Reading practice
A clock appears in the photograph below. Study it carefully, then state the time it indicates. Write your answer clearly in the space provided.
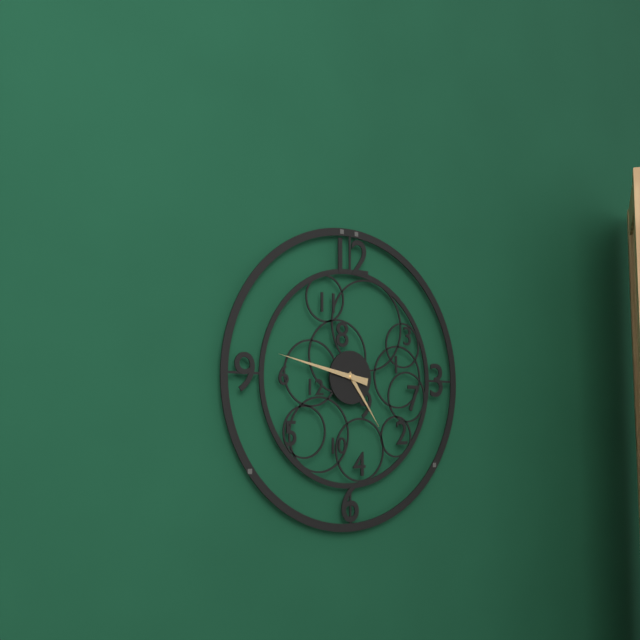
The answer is 4:47
